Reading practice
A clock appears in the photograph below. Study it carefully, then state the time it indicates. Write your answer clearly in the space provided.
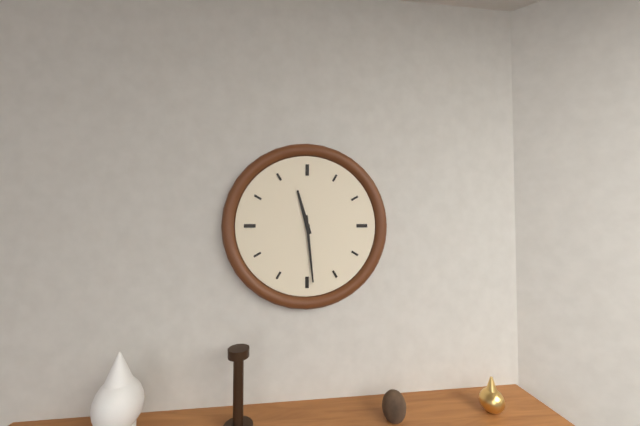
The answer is 11:29
